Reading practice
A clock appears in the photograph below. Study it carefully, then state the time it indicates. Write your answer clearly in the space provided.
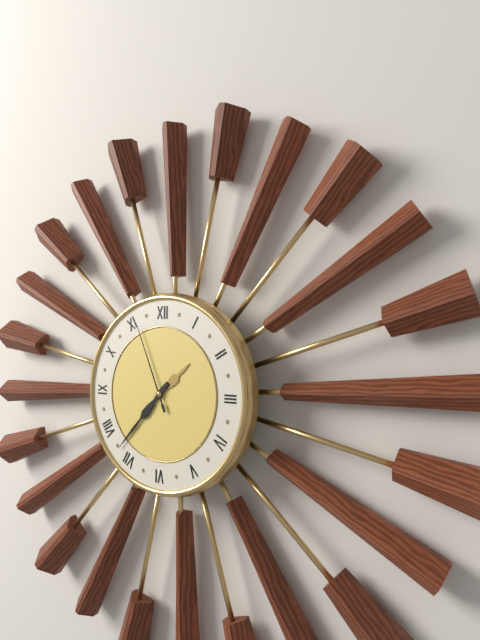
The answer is 1:37:56
